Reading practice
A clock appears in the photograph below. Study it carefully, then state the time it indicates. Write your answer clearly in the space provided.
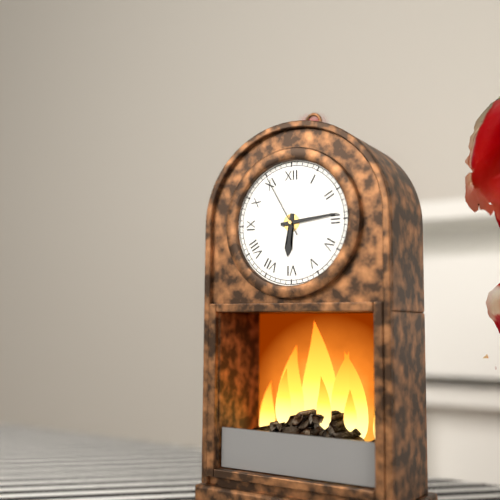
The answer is 6:14:55
